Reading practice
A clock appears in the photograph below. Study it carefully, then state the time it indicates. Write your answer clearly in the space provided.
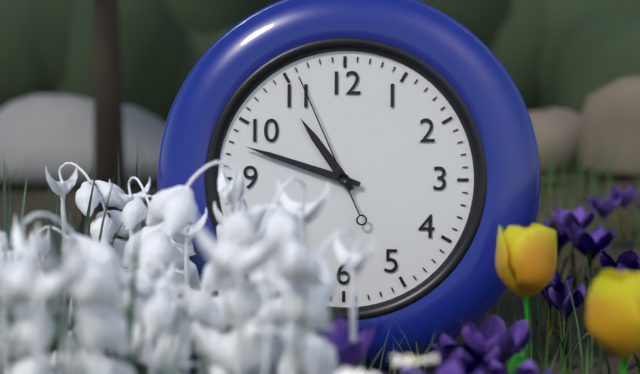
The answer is 10:48:56
